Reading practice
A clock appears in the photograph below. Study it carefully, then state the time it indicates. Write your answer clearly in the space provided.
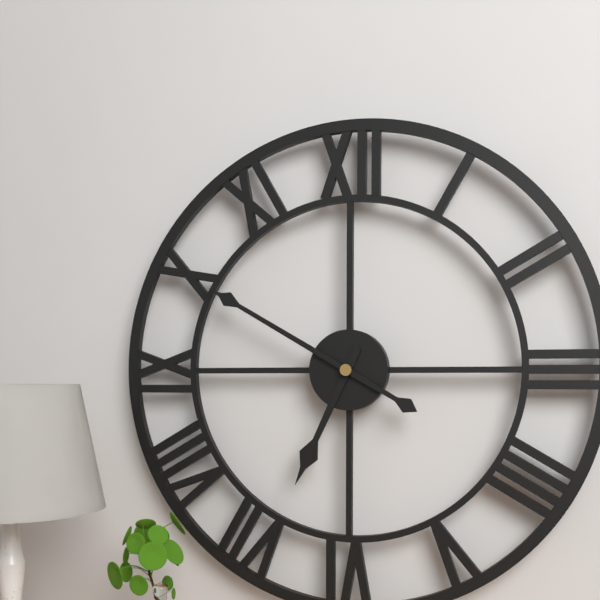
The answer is 6:50
